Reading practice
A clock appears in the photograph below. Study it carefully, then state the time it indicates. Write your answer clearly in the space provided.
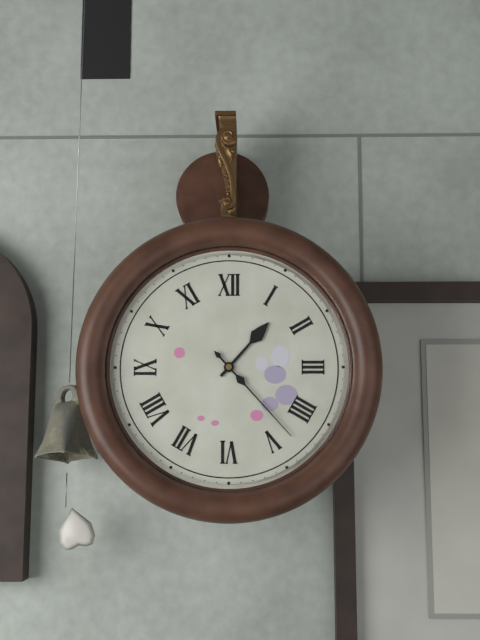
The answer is 1:23
